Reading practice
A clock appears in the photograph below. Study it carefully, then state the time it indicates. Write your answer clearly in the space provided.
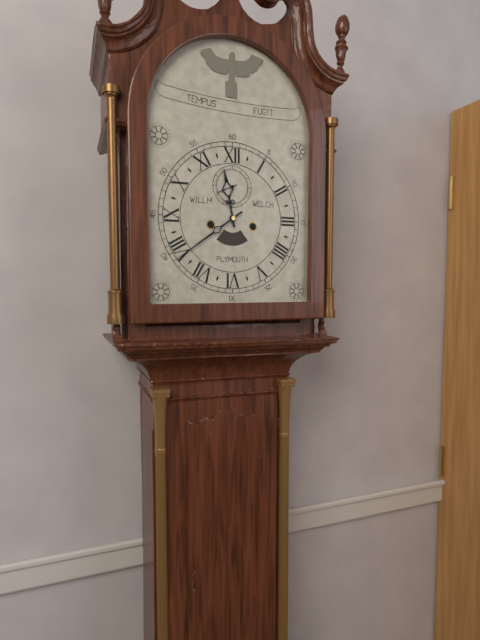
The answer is 11:39
